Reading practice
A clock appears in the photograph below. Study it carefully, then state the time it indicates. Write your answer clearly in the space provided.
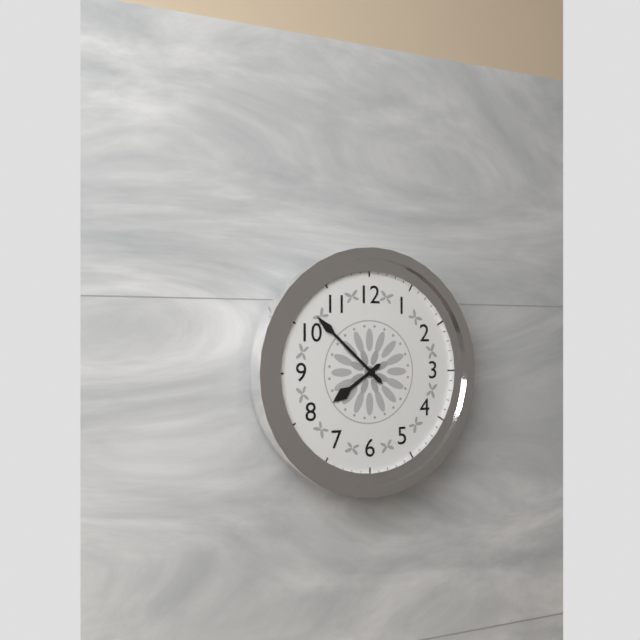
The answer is 7:52
